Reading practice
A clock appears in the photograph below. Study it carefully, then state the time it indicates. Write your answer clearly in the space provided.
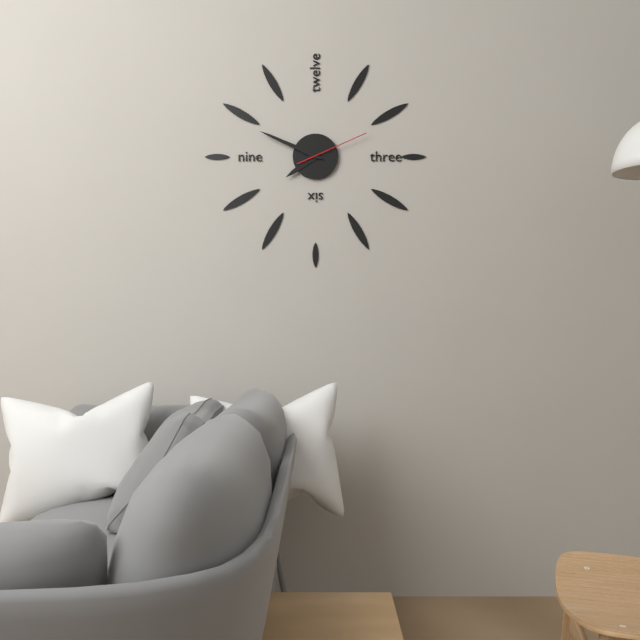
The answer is 7:49:11
